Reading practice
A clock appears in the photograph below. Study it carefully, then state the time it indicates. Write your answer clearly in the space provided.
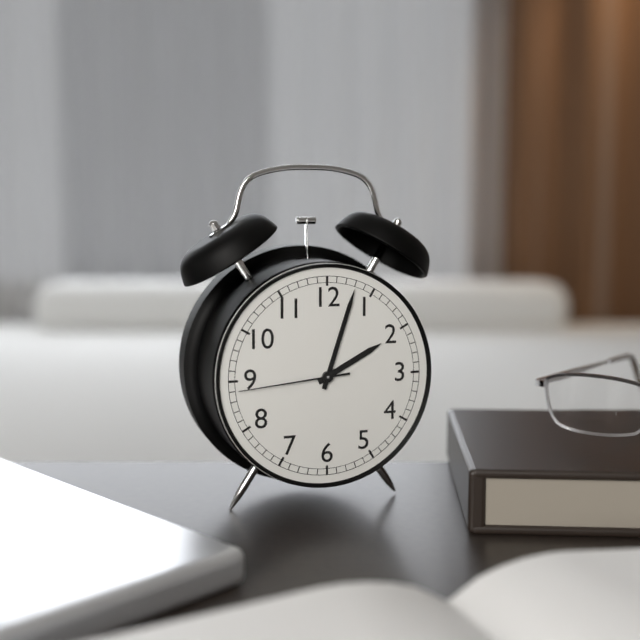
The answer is 2:03:44
